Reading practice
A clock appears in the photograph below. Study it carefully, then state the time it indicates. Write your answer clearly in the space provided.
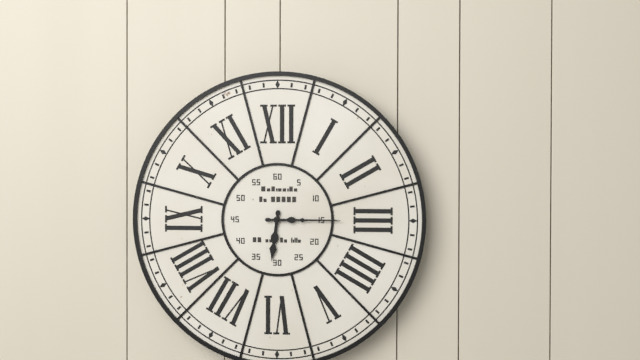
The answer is 6:15
